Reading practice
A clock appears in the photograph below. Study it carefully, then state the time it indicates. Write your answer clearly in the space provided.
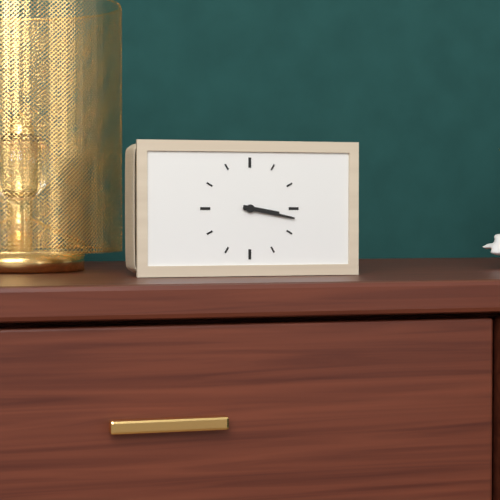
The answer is 3:17
